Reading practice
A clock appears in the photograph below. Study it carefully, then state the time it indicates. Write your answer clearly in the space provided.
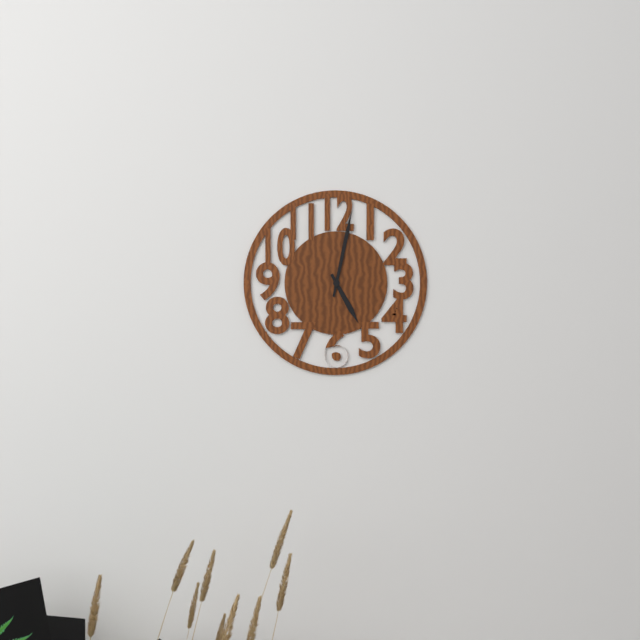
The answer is 5:02
